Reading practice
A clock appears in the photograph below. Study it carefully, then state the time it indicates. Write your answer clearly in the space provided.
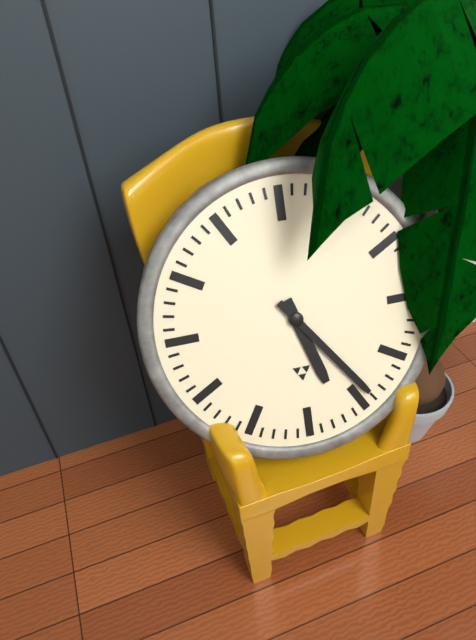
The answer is 5:24
